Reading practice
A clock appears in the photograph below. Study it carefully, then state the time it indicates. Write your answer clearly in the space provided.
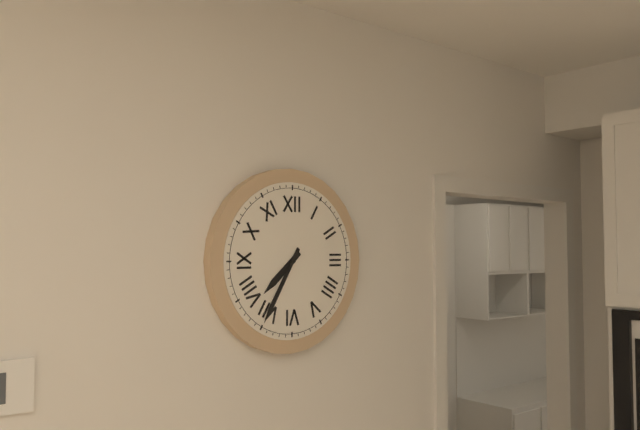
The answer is 7:35
